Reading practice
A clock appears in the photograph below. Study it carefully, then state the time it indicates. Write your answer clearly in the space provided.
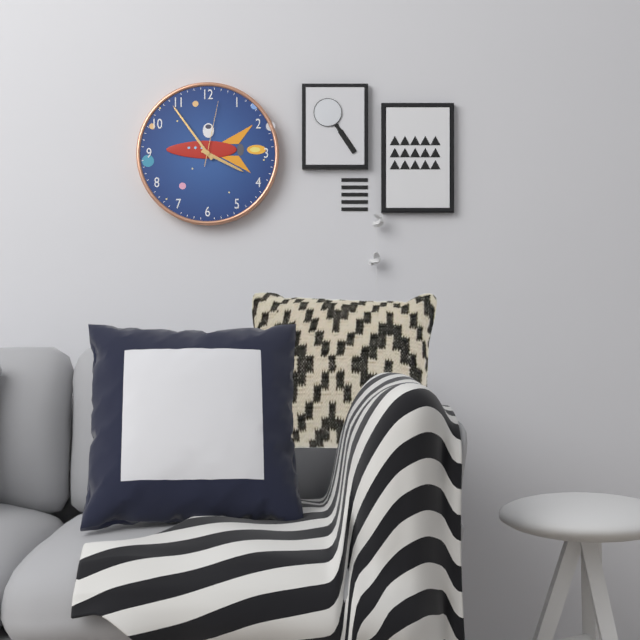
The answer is 3:54:02
